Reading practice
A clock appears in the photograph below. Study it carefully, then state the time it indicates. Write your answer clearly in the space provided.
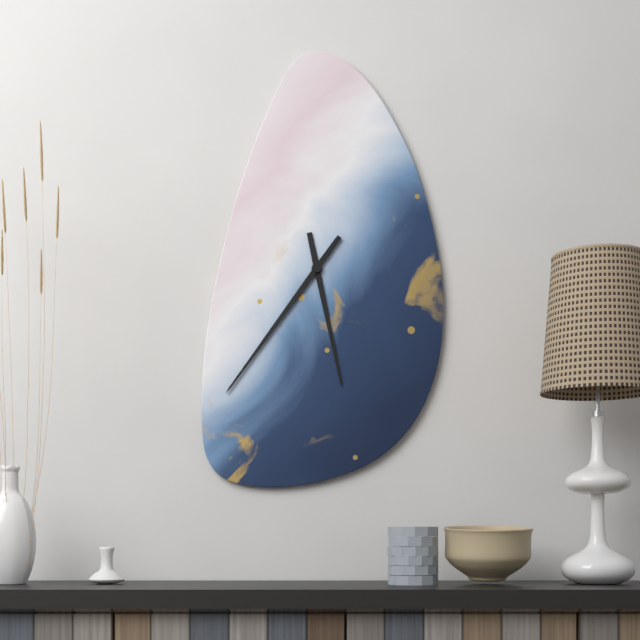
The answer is 5:36
